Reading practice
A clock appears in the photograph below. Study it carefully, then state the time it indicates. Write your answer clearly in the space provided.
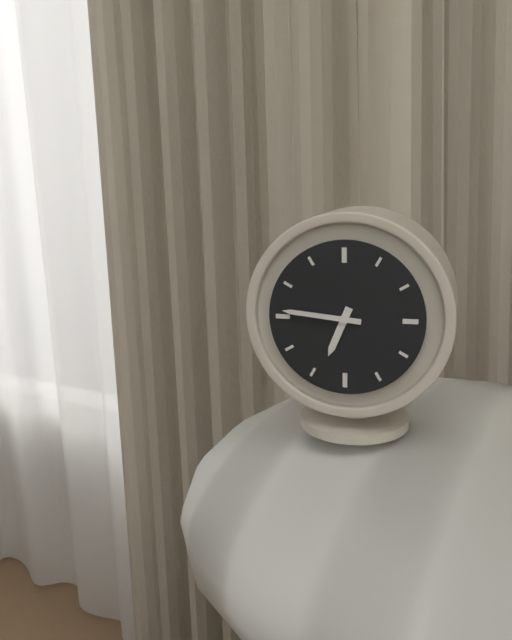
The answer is 6:46
